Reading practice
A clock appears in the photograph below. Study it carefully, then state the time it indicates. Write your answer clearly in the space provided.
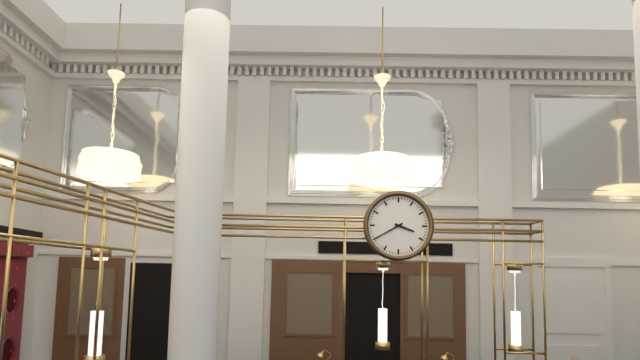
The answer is 3:40
